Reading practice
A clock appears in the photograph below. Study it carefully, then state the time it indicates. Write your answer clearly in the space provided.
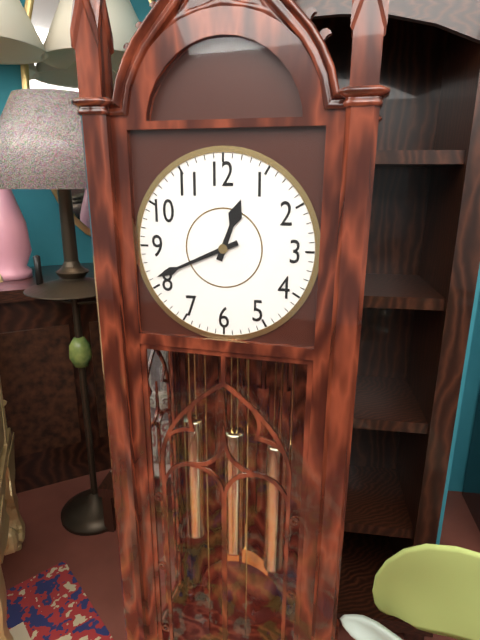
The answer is 12:41
